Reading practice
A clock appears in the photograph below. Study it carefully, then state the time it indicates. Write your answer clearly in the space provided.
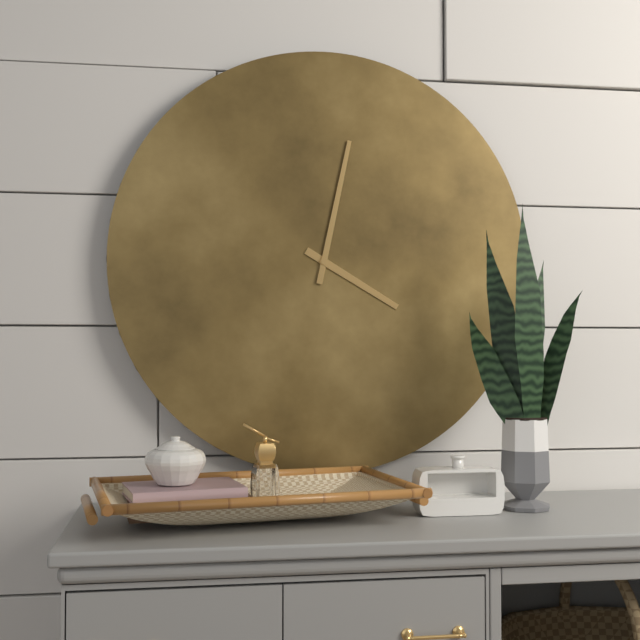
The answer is 4:02
